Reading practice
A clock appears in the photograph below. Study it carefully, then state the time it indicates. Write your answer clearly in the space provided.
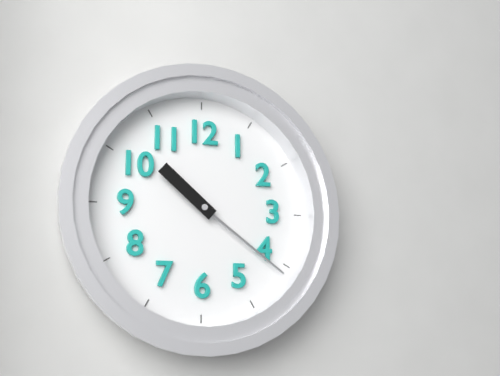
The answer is 10:21
